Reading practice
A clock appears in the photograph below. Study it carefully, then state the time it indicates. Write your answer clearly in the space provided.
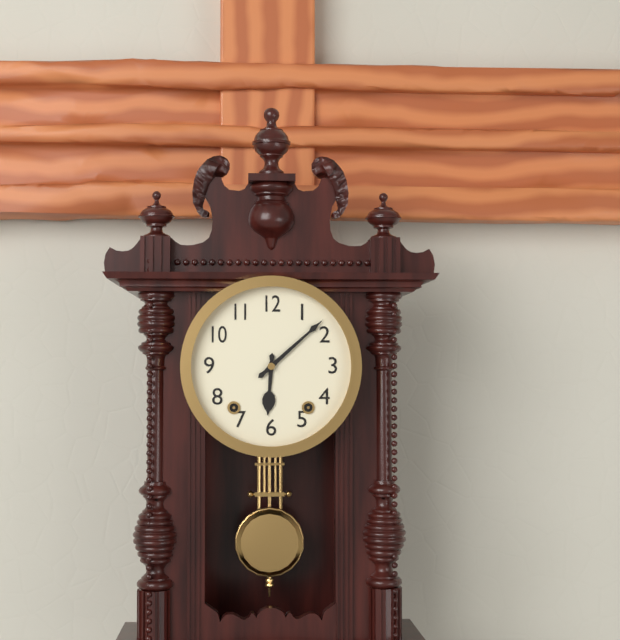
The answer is 6:08
